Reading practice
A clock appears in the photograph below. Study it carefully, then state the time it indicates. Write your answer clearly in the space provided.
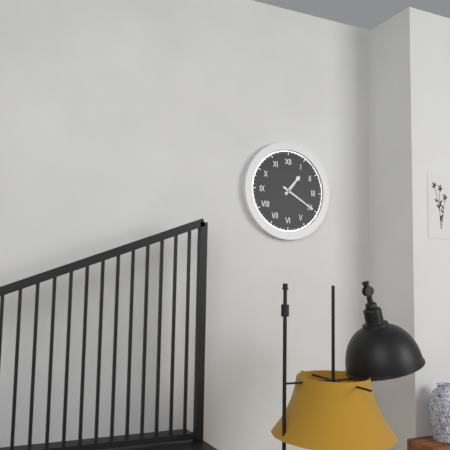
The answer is 1:20
